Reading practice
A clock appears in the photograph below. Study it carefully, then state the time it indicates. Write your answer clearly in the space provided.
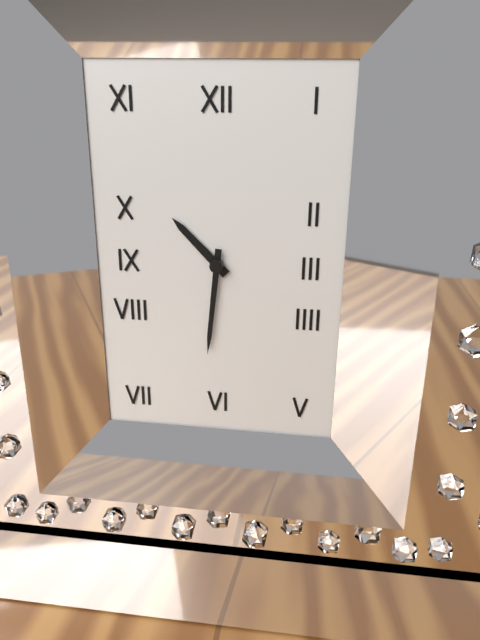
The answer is 10:31
